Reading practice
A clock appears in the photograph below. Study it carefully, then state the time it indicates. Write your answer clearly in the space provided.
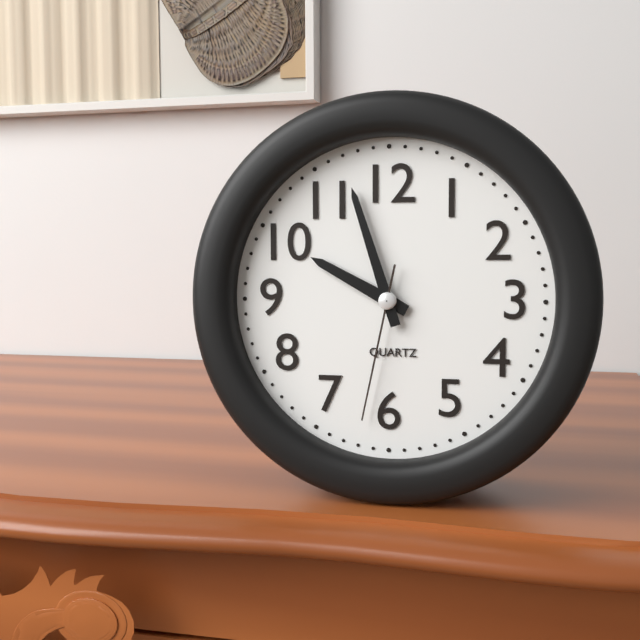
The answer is 9:57:32
